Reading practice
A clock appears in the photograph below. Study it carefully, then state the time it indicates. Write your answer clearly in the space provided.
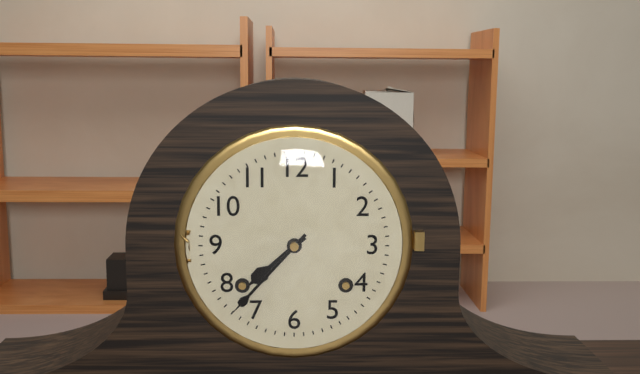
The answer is 7:37
